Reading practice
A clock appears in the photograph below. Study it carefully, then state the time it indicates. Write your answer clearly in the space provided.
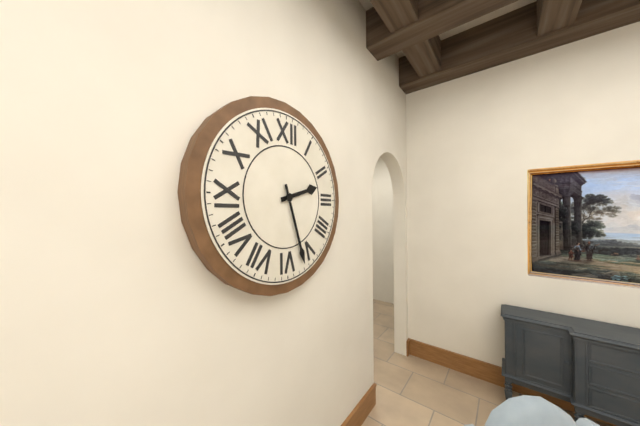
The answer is 2:27
